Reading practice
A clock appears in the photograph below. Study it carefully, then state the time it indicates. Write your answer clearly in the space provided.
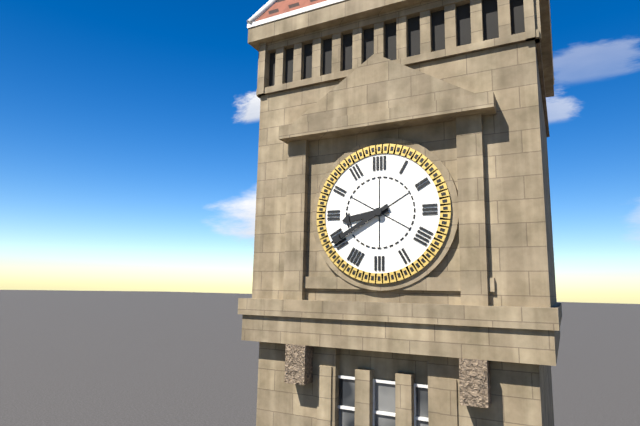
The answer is 8:40
